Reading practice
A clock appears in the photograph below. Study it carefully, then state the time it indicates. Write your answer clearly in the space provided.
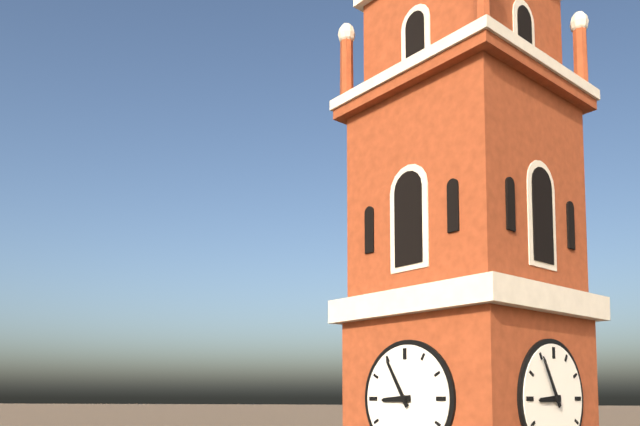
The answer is 8:55
